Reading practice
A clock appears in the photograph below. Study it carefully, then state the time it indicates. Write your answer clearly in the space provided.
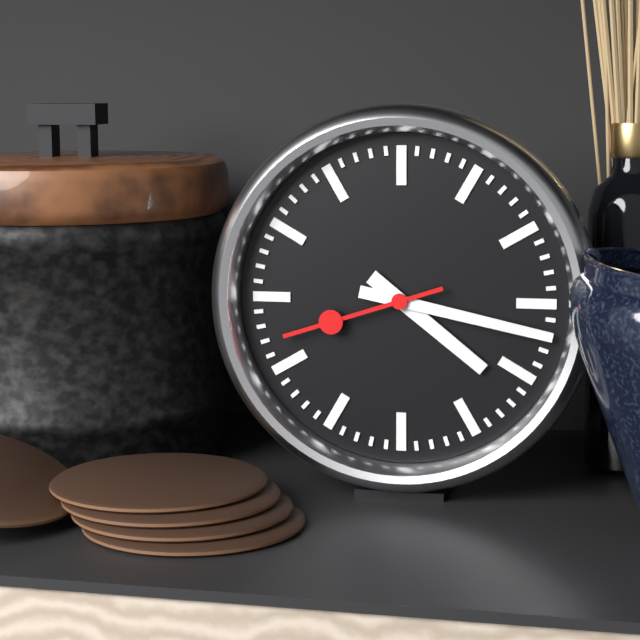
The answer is 4:17:42
